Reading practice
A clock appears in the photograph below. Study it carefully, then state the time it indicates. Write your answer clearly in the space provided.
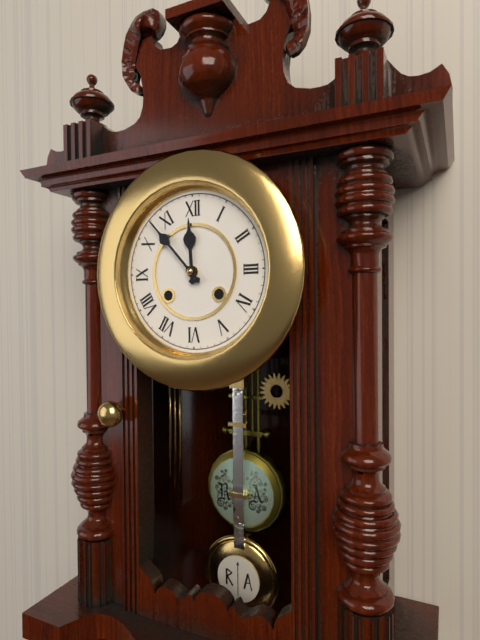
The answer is 11:53
